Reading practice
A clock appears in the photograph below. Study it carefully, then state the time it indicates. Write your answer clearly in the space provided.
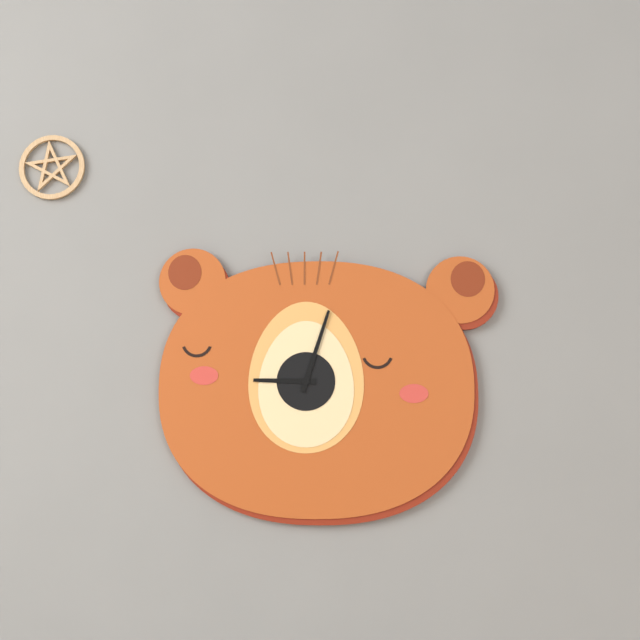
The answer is 9:03
